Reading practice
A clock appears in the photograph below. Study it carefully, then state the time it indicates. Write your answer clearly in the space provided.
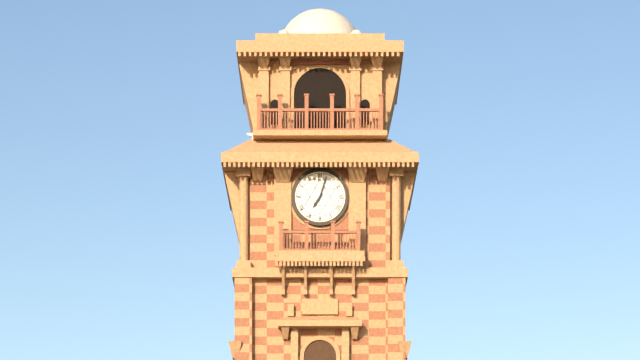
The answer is 7:03
